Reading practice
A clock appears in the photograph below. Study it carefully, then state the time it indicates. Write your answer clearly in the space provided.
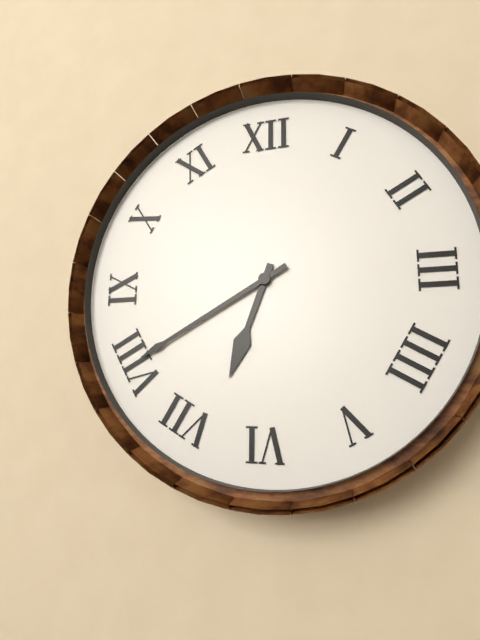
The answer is 6:40
